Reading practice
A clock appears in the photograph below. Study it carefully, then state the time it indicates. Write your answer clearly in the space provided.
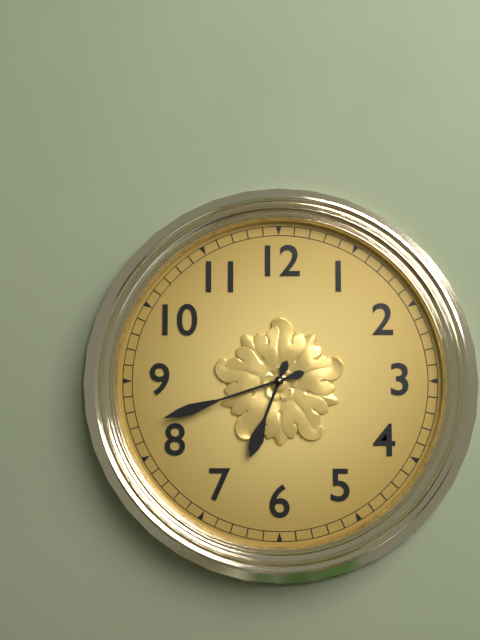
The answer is 6:42
